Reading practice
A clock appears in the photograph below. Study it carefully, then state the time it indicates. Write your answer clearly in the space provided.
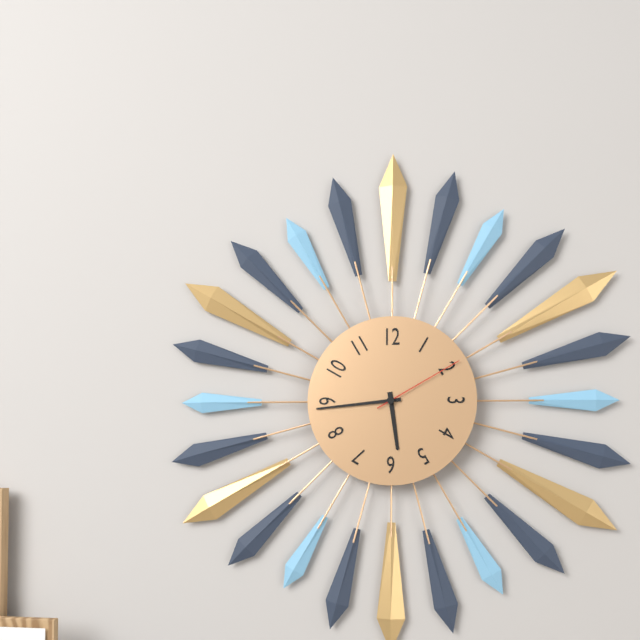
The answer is 5:44:10
